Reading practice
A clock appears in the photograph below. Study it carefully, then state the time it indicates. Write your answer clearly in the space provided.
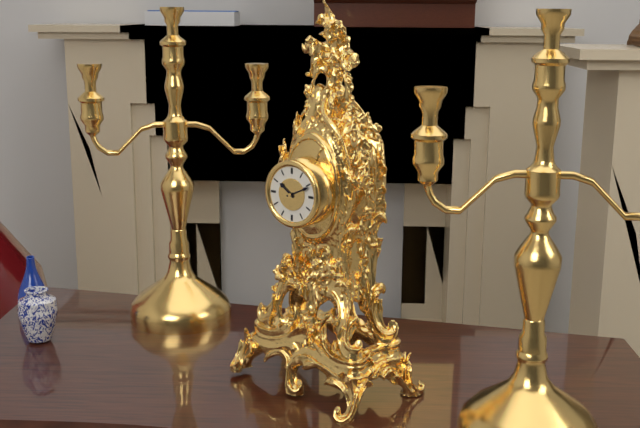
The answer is 10:11
